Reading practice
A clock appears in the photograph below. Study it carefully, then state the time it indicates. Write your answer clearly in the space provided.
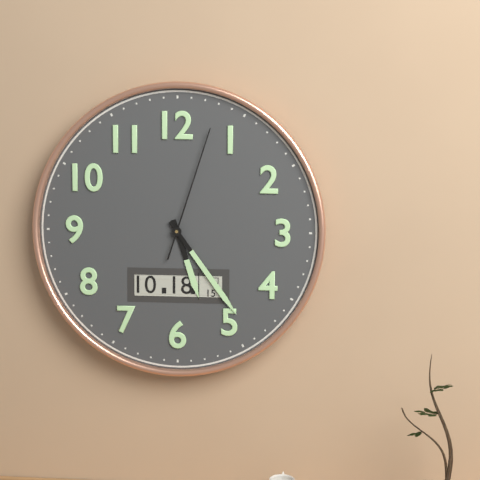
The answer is 5:24:03
